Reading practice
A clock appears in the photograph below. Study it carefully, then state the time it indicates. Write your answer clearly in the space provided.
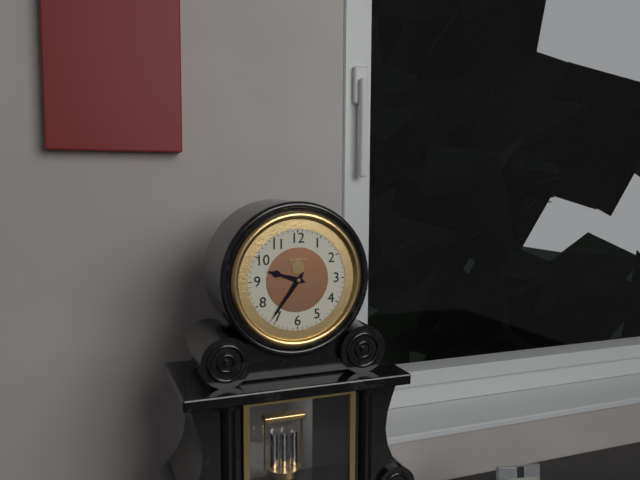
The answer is 9:36
